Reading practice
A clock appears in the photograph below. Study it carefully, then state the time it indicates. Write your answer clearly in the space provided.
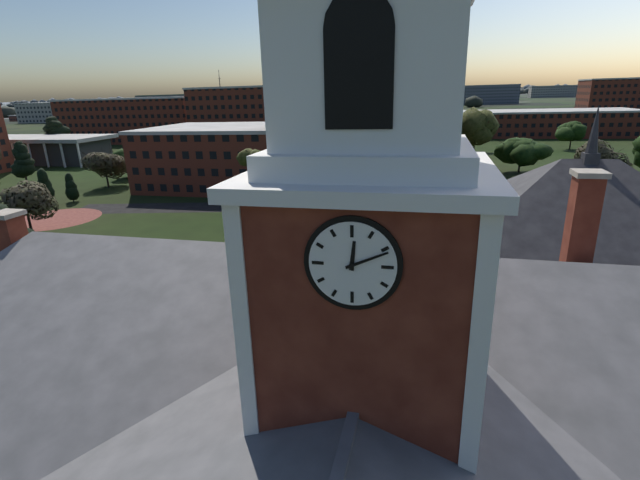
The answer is 12:11
